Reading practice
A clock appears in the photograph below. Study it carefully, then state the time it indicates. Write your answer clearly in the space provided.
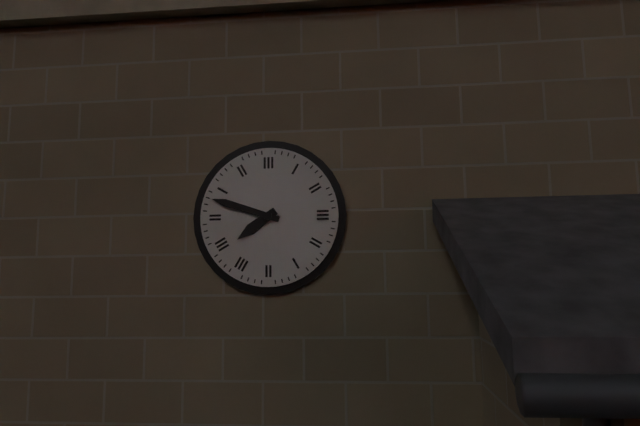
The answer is 7:48
